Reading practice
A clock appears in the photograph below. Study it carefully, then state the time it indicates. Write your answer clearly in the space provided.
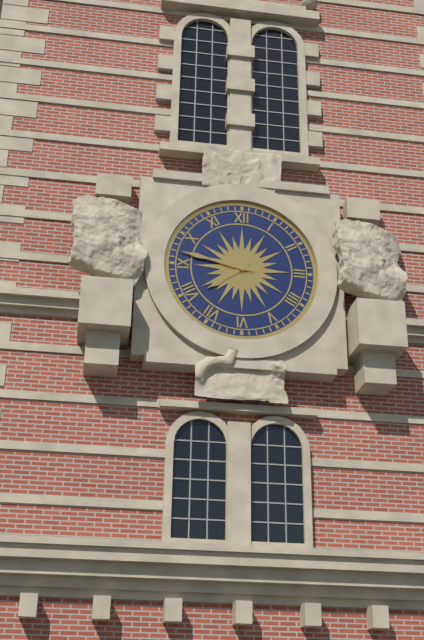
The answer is 7:47
